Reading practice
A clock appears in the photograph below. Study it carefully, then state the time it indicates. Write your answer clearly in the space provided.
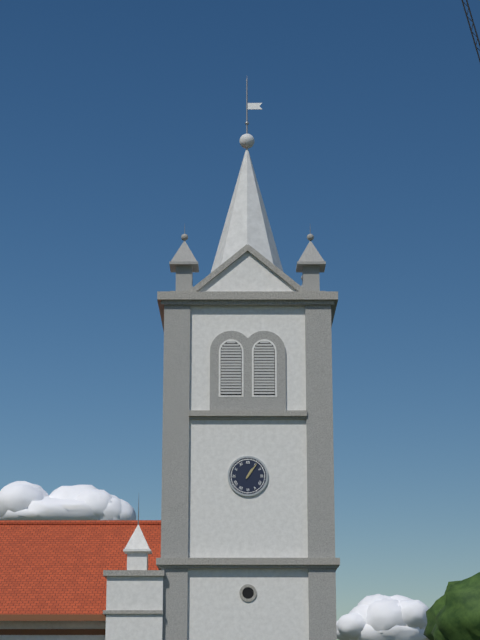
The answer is 1:06
